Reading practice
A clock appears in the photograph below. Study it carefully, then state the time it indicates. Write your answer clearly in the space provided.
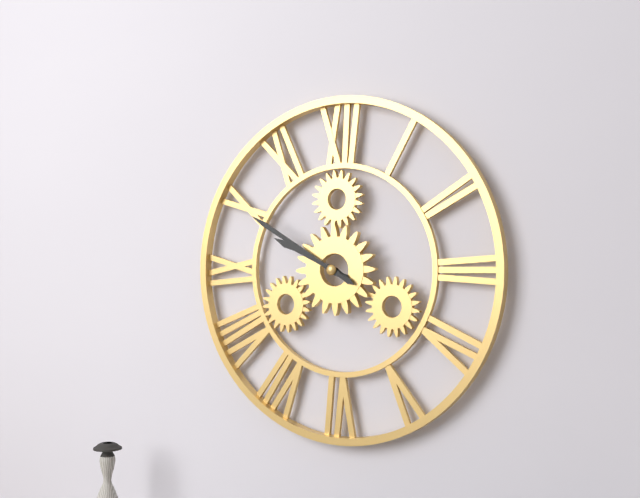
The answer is 9:50
